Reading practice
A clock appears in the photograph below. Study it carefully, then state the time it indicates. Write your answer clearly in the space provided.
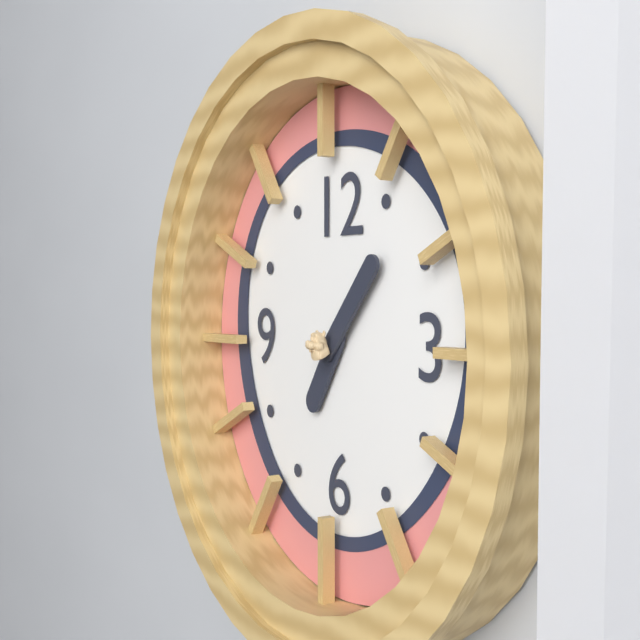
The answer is 7:07
